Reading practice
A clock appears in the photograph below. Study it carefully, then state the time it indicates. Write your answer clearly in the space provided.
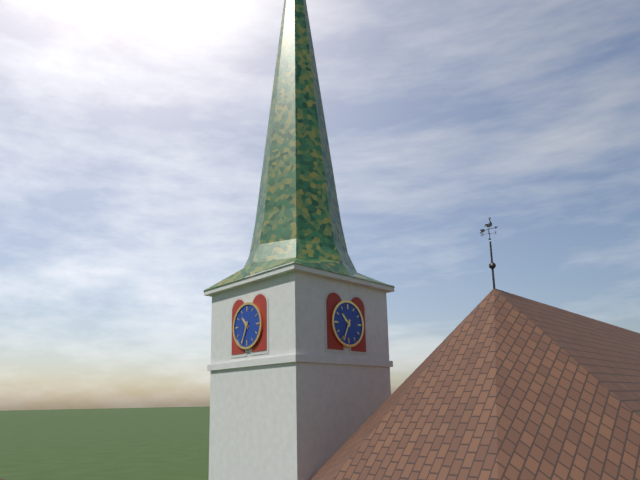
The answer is 10:34
